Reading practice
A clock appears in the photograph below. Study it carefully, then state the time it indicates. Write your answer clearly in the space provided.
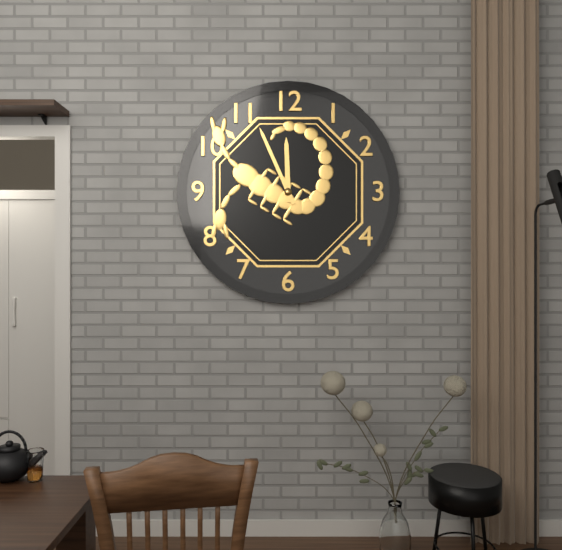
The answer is 11:56
